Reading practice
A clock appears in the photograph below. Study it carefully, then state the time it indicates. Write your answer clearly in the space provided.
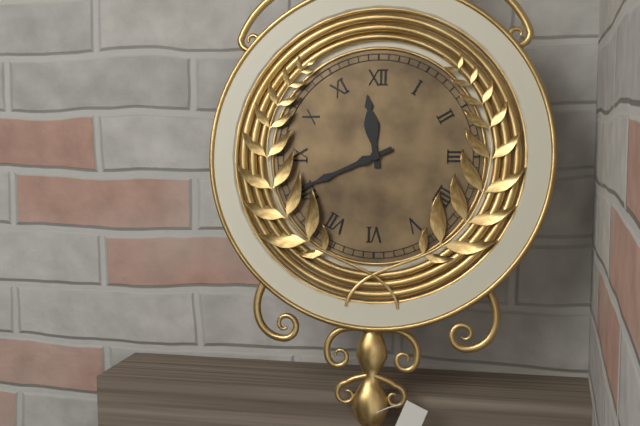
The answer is 11:41
